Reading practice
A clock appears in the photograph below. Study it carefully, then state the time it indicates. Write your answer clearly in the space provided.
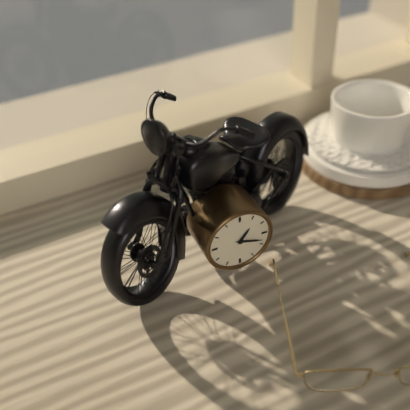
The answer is 1:18
